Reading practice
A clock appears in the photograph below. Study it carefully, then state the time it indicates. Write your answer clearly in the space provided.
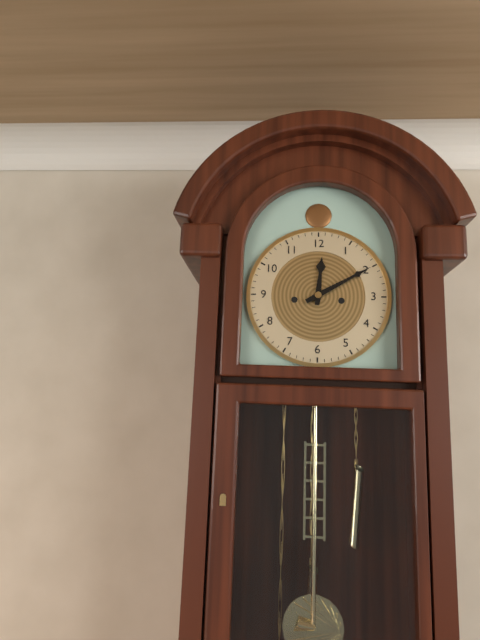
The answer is 12:10
